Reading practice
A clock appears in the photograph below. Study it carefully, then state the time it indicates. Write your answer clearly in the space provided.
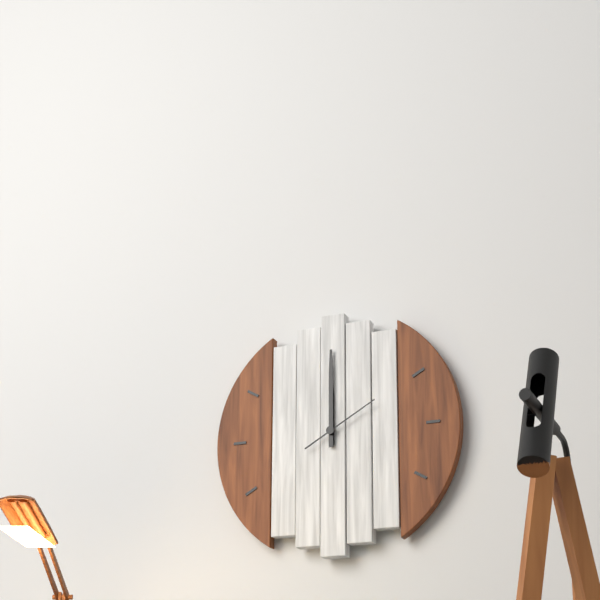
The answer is 12:00:10
